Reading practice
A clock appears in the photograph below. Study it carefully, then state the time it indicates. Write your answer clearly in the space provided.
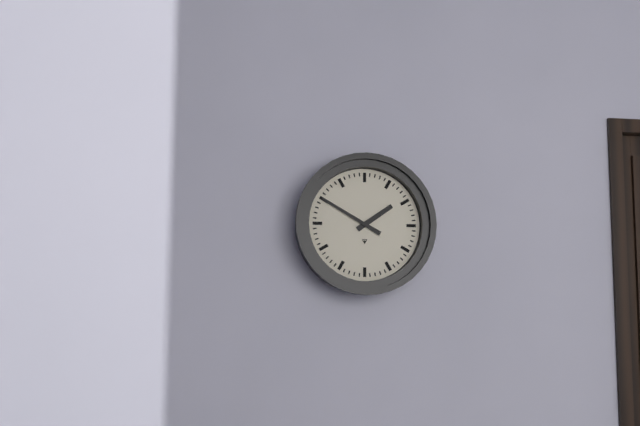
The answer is 1:50
